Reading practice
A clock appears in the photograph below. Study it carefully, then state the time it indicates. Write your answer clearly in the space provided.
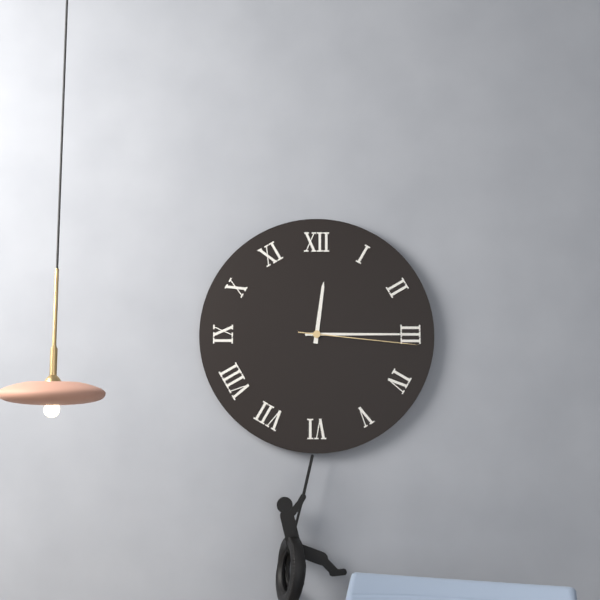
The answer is 12:15:16
